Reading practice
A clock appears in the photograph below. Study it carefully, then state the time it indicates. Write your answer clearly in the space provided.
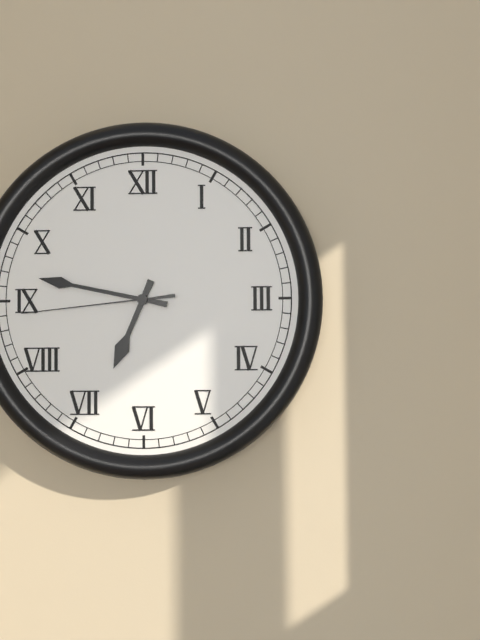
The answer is 6:47:44
